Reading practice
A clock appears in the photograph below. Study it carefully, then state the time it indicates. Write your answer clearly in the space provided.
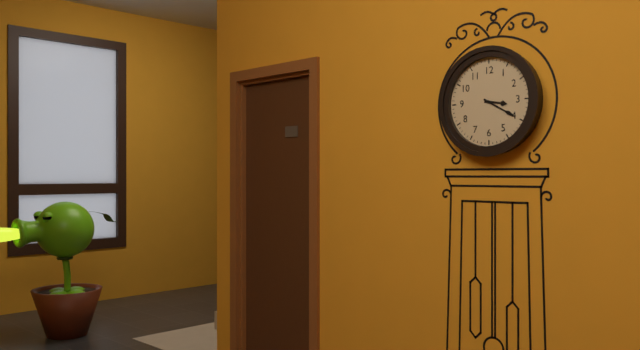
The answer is 3:20
